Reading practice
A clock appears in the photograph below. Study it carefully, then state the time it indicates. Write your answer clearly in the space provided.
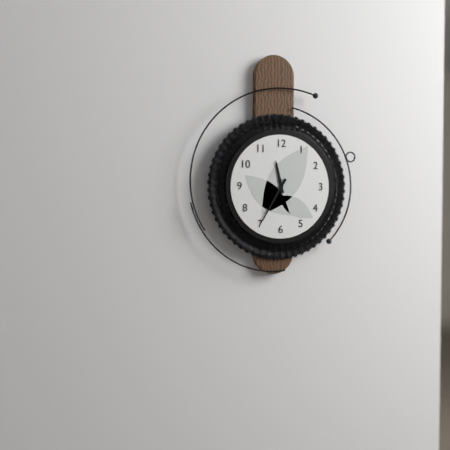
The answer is 11:35
